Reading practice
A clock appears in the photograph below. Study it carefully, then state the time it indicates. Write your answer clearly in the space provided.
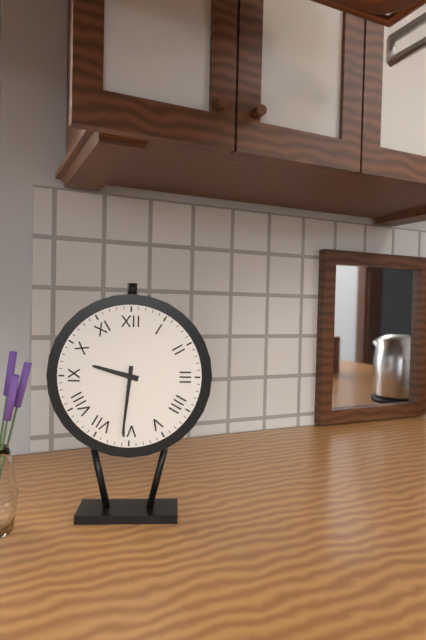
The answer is 9:31
